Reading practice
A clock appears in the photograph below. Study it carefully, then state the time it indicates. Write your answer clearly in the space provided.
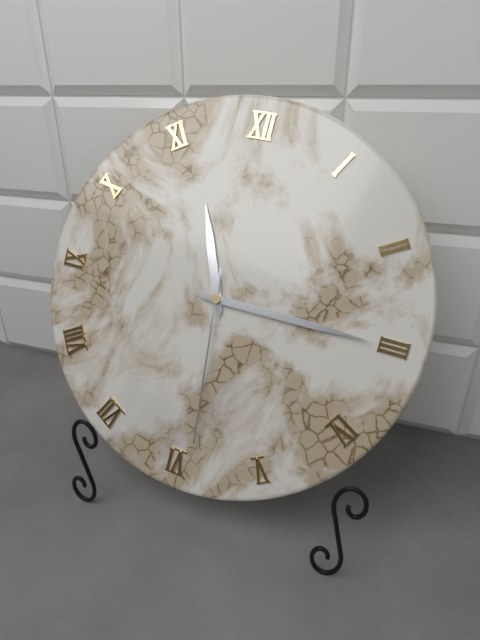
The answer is 11:15:29
